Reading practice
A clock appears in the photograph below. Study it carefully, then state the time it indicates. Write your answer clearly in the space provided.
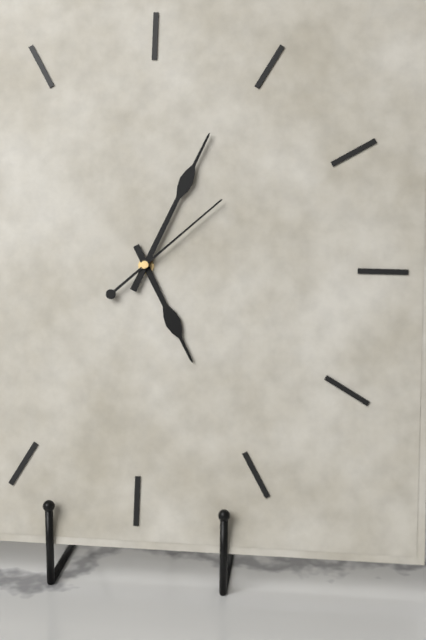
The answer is 5:04:08
